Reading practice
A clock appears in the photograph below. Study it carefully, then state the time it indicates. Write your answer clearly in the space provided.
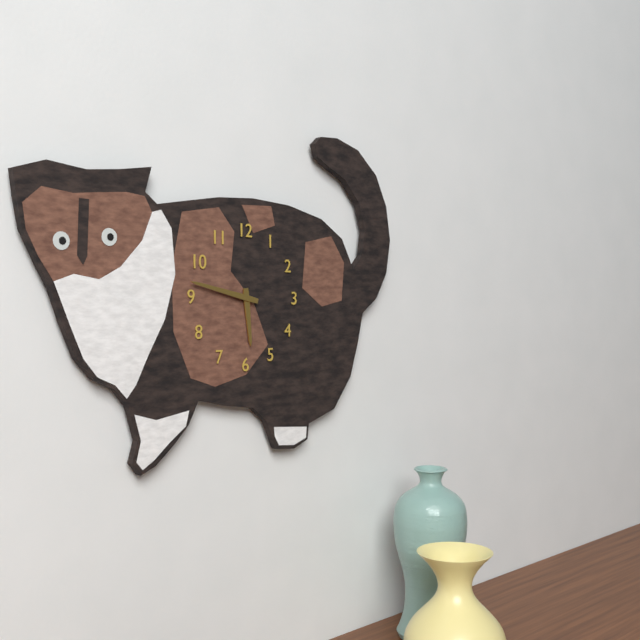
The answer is 5:47
